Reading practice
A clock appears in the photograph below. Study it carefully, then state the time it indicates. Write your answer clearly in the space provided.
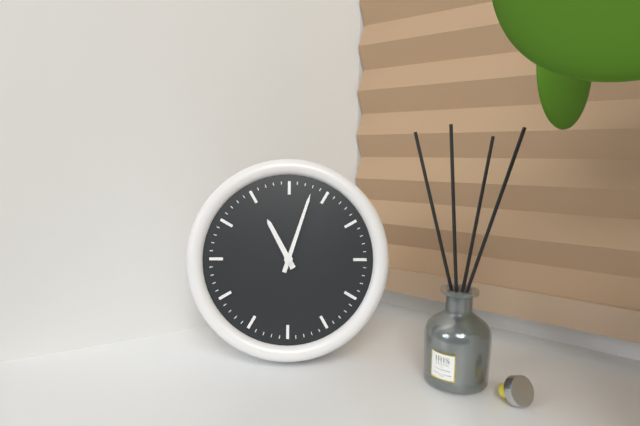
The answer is 11:03
